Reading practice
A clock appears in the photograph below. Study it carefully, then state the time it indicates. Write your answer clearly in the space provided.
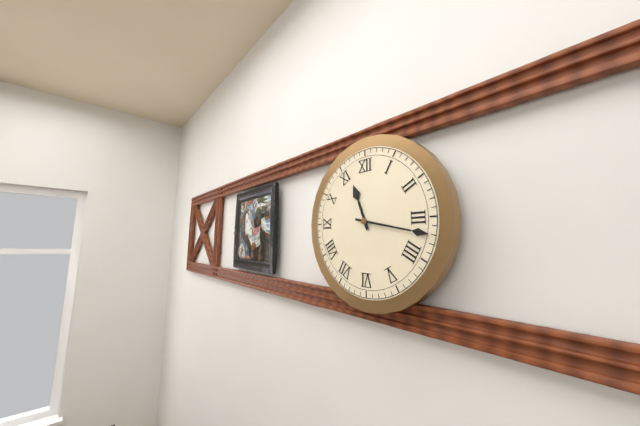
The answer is 11:17
